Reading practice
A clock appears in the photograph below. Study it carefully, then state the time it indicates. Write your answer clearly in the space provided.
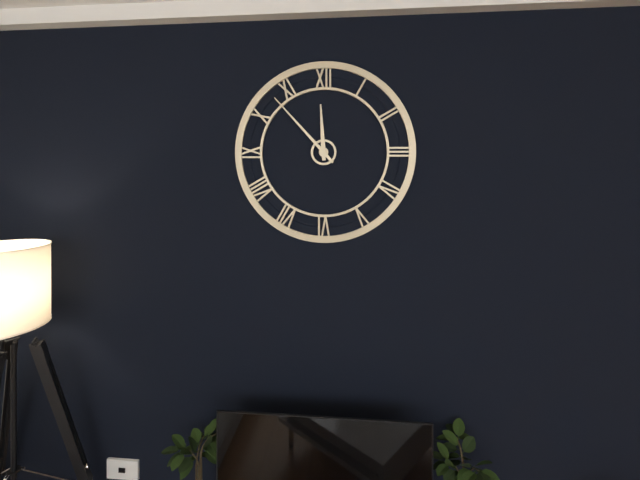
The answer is 11:53
